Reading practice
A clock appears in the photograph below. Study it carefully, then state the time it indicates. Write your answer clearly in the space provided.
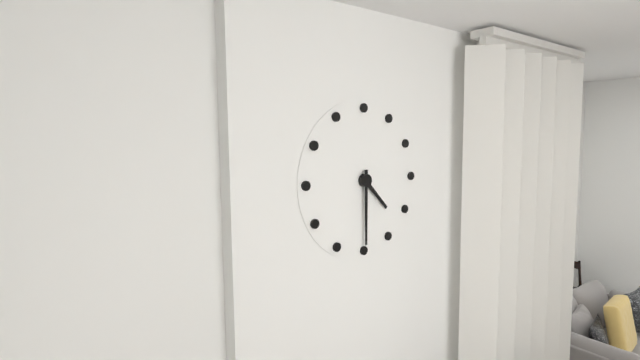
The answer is 4:30
